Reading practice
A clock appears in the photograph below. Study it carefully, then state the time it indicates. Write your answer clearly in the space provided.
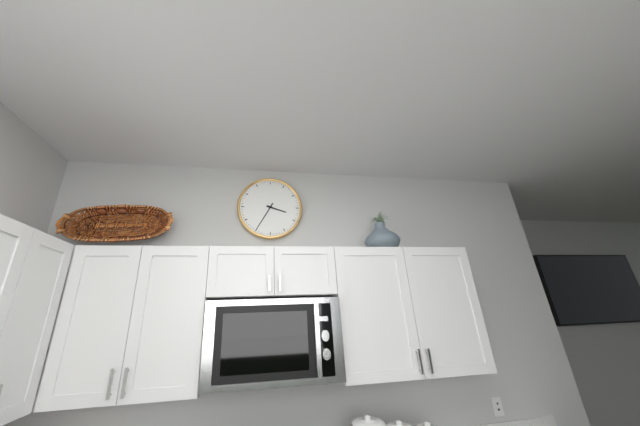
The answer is 3:35
